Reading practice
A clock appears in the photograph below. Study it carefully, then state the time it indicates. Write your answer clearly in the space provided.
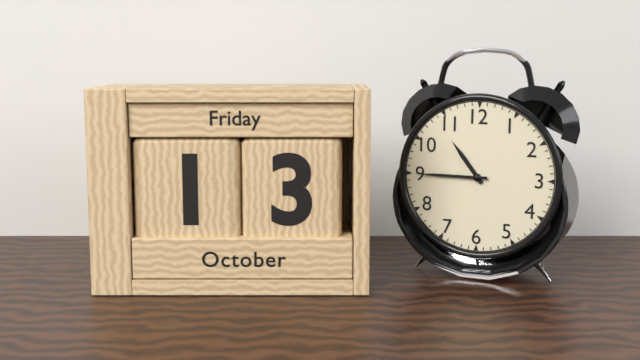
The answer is 10:45
